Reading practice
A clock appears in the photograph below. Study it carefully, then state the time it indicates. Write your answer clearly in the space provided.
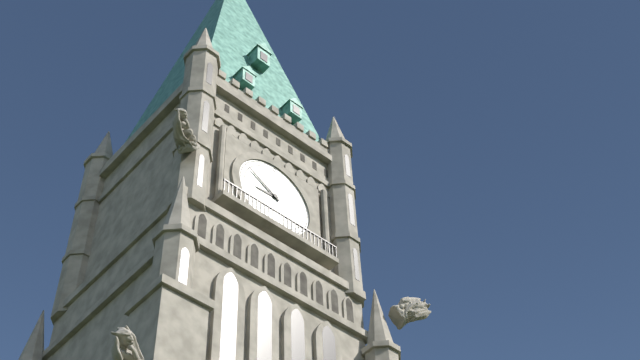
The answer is 8:50
